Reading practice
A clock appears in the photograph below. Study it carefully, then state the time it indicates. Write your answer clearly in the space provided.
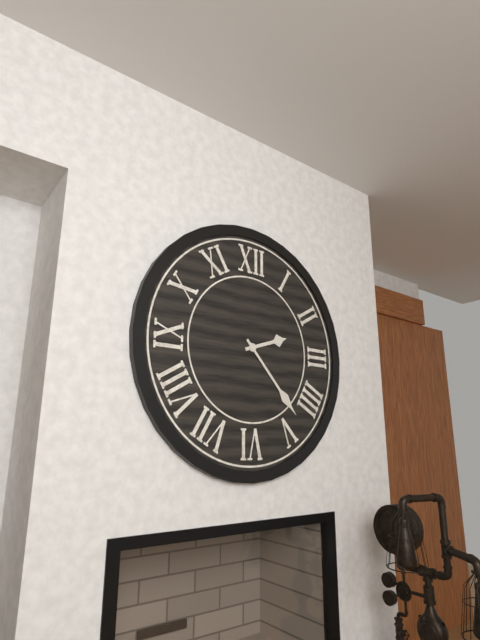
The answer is 2:23
